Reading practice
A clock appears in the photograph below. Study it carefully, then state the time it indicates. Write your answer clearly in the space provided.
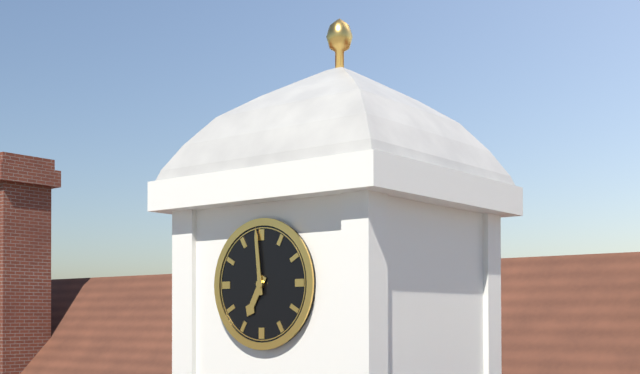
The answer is 6:59
